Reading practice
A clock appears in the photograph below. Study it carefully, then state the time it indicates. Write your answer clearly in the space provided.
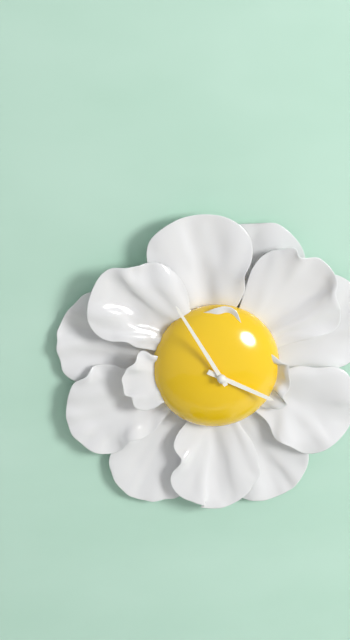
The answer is 3:55
